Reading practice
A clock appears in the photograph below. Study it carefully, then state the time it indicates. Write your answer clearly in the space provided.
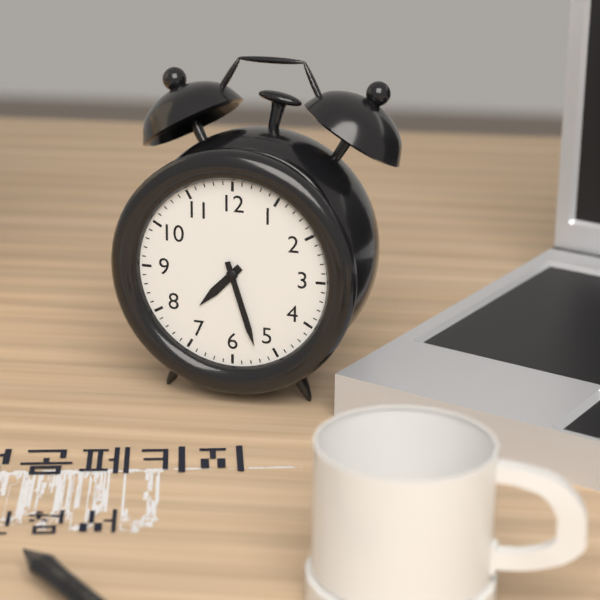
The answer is 7:27
